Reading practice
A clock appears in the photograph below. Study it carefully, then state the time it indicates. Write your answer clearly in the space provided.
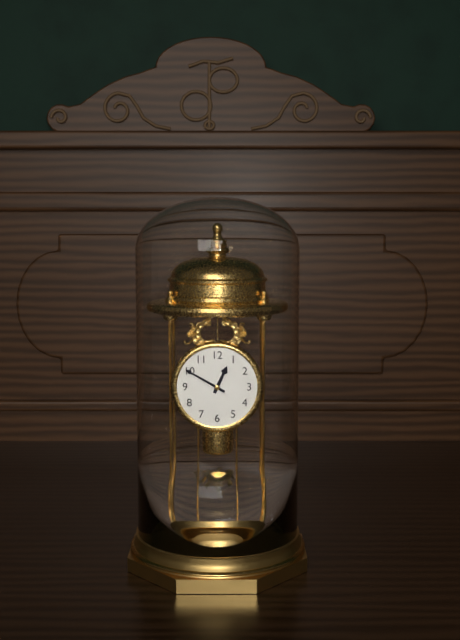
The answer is 12:50
